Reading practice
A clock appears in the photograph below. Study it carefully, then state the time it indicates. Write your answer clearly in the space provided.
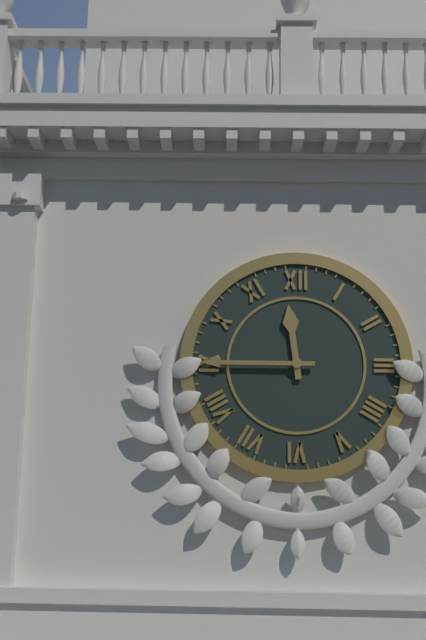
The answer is 11:45
